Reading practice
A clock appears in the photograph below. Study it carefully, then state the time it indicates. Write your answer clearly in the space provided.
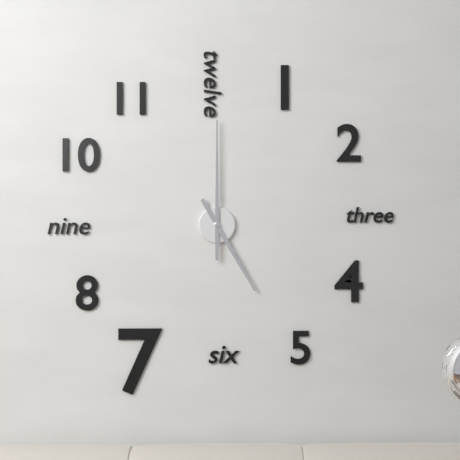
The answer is 5:00
